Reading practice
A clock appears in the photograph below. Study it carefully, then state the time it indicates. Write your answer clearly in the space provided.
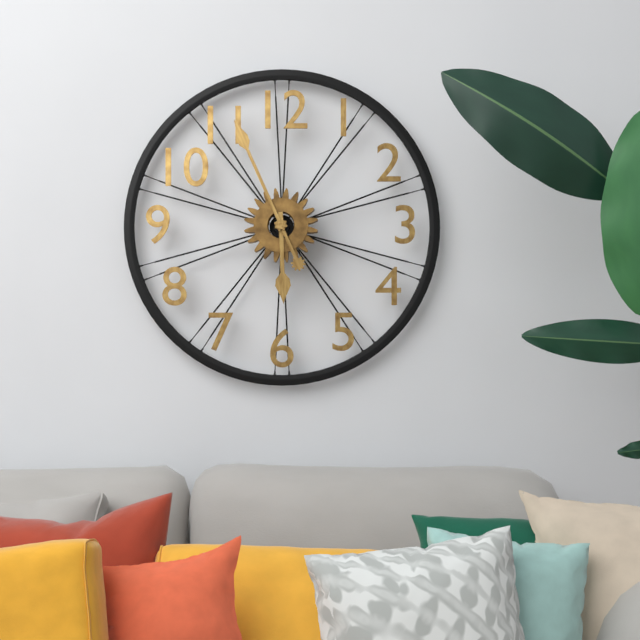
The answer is 5:56
